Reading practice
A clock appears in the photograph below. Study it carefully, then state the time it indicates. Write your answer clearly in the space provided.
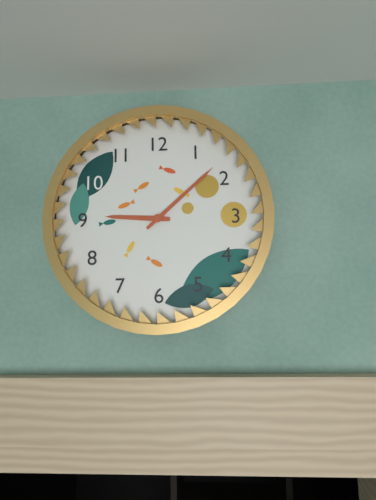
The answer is 9:08
